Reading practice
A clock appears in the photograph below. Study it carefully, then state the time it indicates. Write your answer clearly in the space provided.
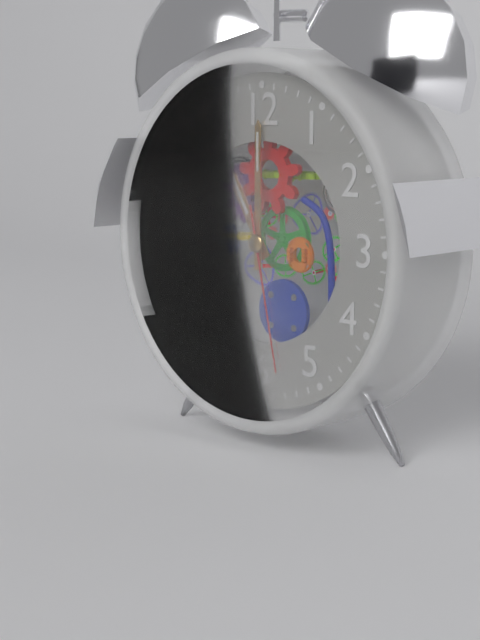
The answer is 11:00:28
